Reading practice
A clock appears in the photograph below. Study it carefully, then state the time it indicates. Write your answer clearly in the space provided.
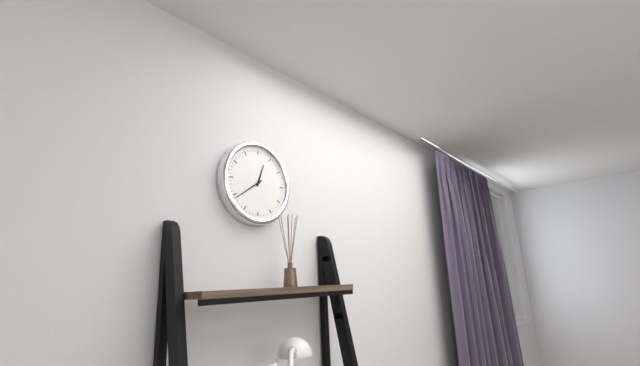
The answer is 12:39
